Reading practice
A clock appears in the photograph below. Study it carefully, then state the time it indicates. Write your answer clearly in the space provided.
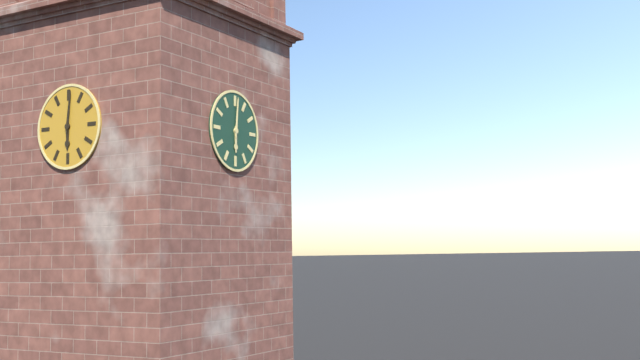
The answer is 6:01
